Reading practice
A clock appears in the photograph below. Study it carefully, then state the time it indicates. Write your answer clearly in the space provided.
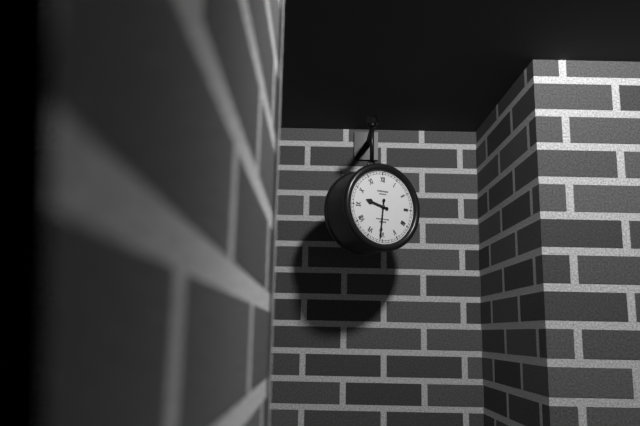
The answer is 9:31
